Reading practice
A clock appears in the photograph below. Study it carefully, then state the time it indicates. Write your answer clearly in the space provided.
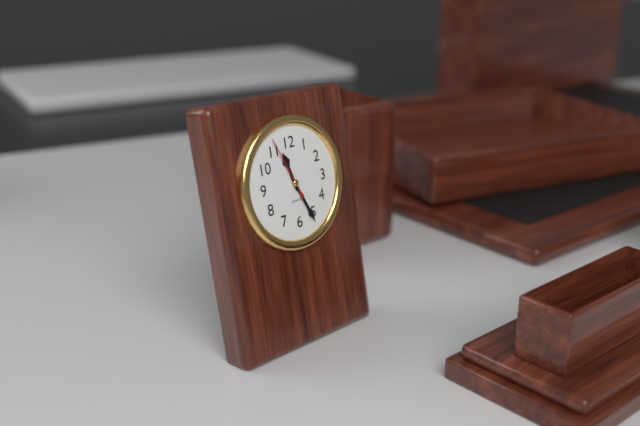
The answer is 11:26:56
